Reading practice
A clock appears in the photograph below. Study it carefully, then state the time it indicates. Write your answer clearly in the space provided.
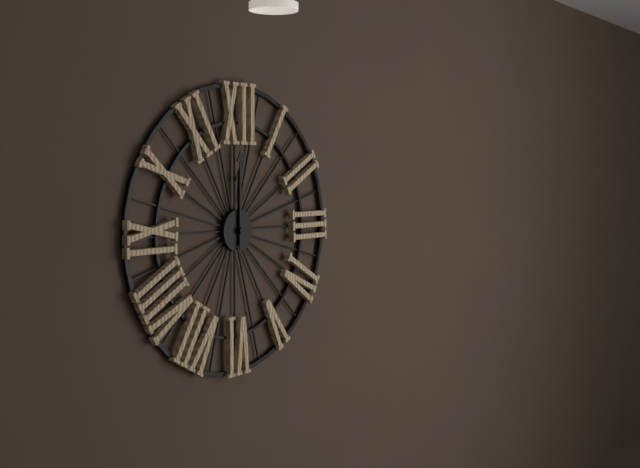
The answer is 12:00
